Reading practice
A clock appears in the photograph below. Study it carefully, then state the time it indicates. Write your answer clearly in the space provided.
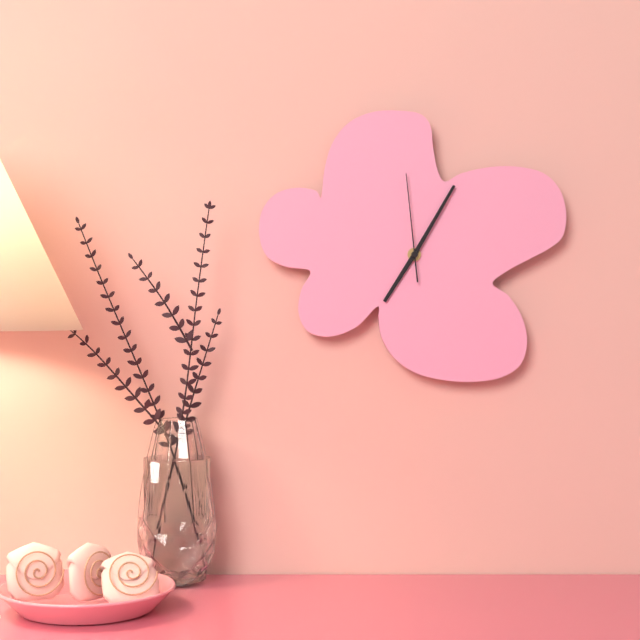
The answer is 7:05:59
